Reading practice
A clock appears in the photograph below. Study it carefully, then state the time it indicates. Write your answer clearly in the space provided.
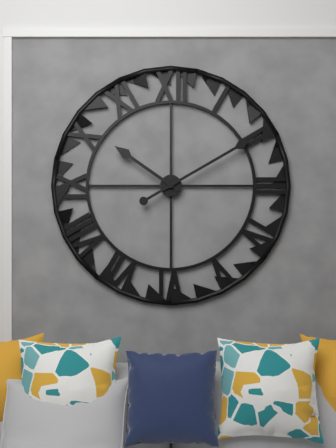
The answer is 10:10
